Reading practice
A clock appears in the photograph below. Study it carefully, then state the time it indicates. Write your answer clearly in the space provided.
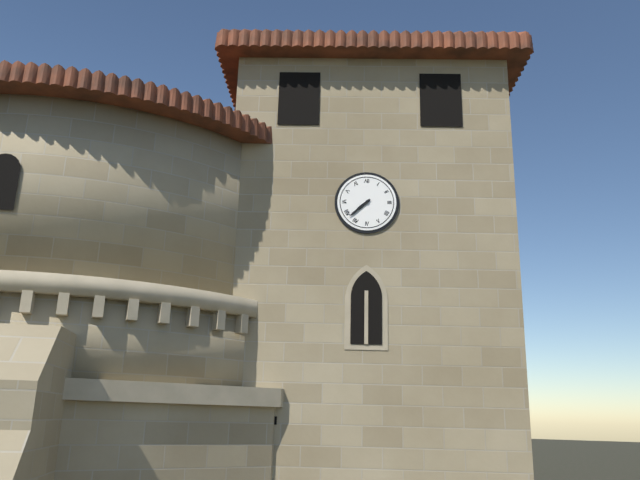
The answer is 7:38
